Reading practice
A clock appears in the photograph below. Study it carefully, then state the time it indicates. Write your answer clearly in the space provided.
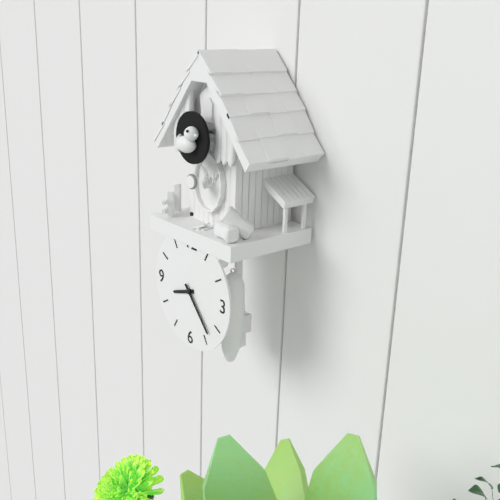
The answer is 8:23
